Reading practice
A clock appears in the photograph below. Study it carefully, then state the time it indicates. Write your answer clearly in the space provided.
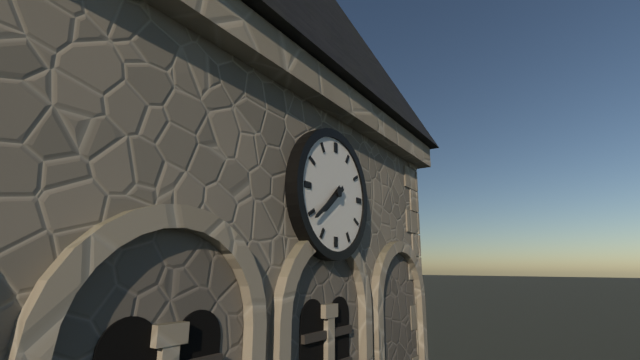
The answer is 7:39
